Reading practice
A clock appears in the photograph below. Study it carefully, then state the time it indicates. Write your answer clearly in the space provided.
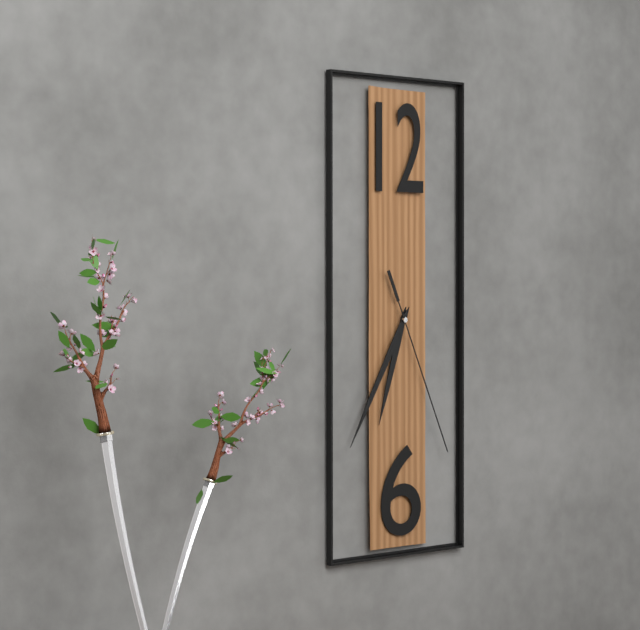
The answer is 6:35:26
